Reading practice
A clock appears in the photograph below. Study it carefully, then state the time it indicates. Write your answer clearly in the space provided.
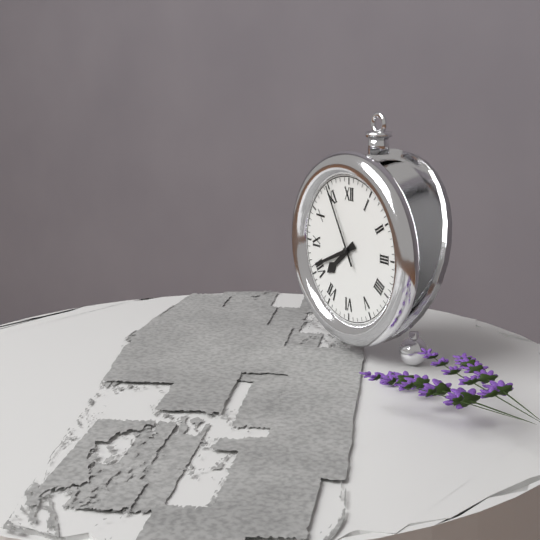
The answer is 7:41:55
